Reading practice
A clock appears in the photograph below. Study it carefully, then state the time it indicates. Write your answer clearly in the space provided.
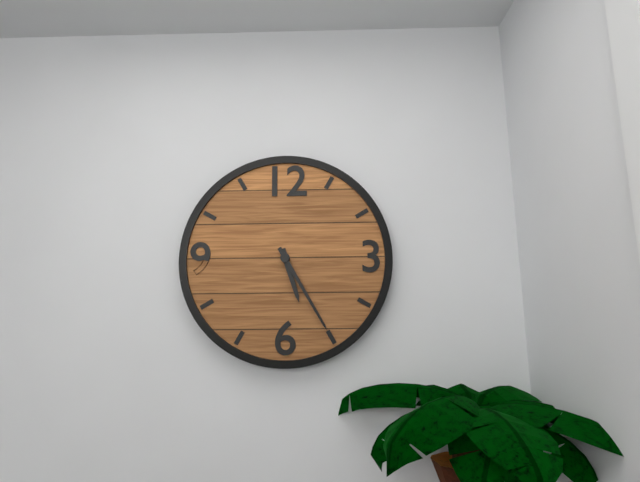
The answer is 5:25
